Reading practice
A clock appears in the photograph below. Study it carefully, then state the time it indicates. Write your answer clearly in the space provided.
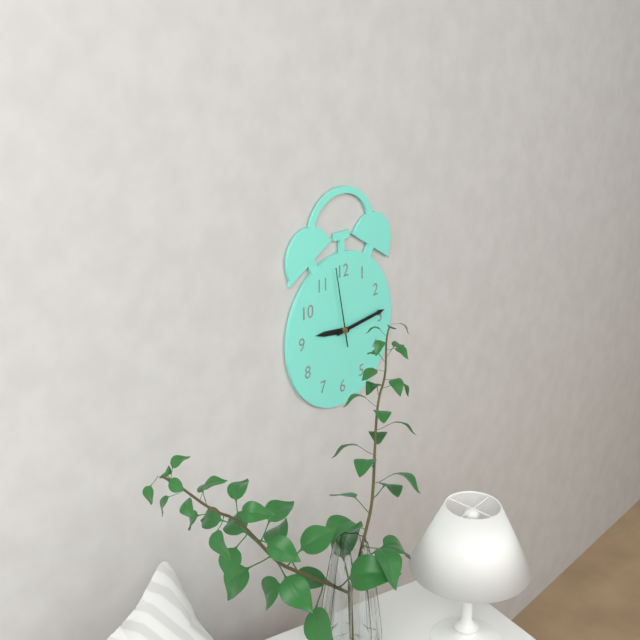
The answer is 9:14:58
